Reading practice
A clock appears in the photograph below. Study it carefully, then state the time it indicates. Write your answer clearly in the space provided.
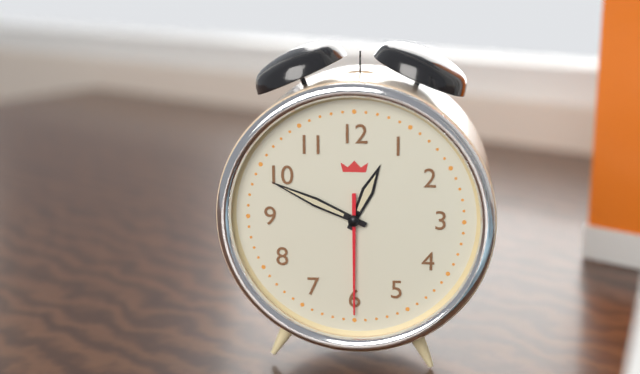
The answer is 12:49:30
